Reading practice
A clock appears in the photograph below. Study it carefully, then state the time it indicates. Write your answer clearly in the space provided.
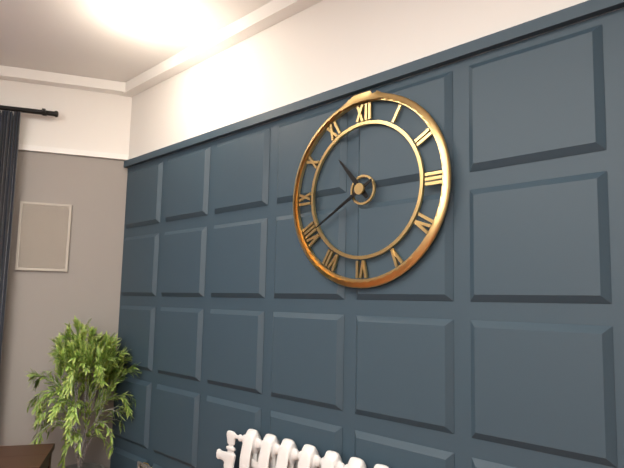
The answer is 10:40
